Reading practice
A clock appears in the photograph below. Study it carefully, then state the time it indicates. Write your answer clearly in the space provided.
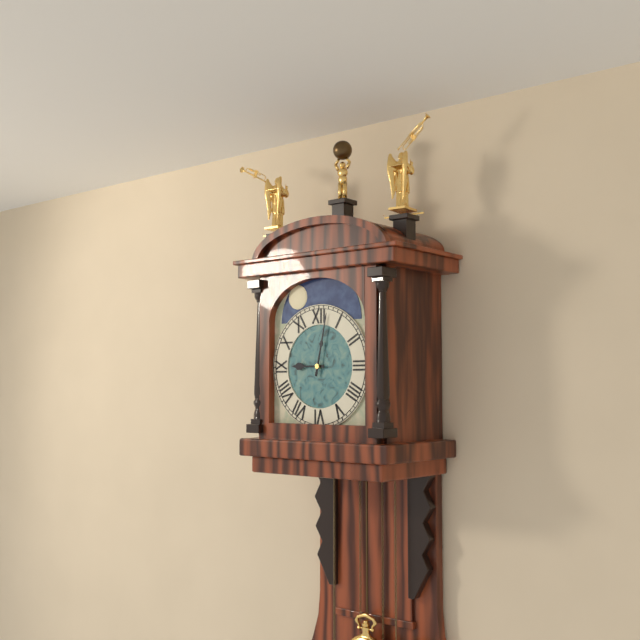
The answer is 9:02
